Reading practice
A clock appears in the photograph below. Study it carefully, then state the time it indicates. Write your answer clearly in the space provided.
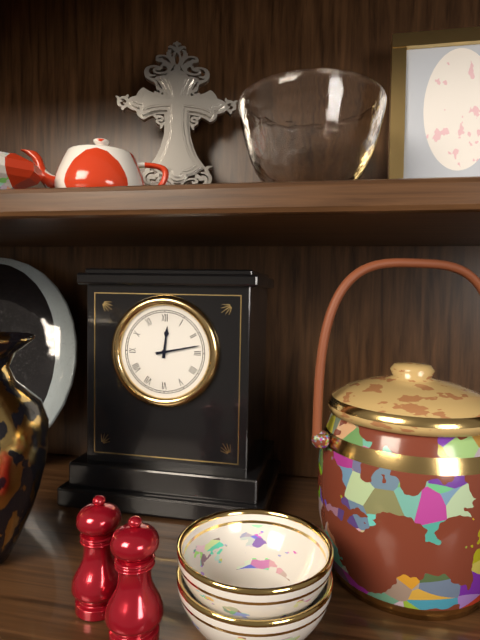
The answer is 12:13
